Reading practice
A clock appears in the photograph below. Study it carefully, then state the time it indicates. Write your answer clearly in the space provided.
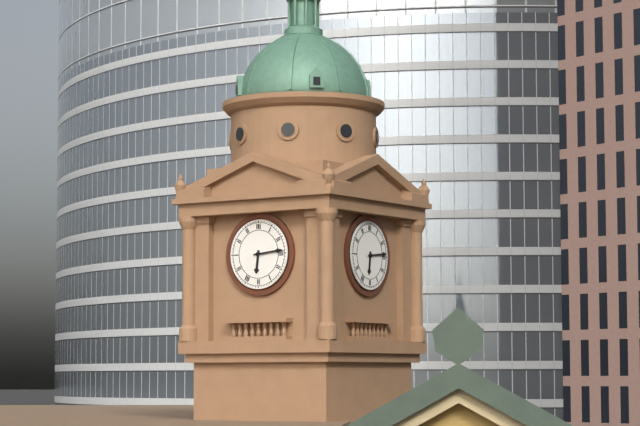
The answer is 6:14
